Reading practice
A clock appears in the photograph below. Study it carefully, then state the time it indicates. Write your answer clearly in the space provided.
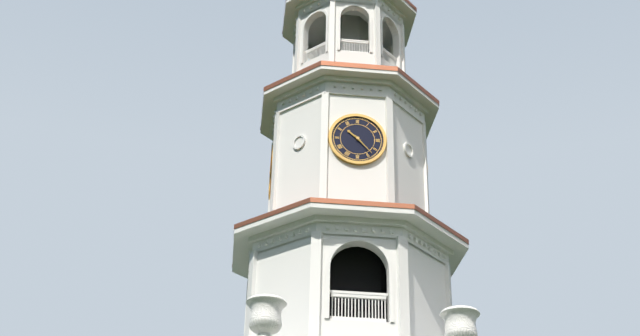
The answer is 10:23
